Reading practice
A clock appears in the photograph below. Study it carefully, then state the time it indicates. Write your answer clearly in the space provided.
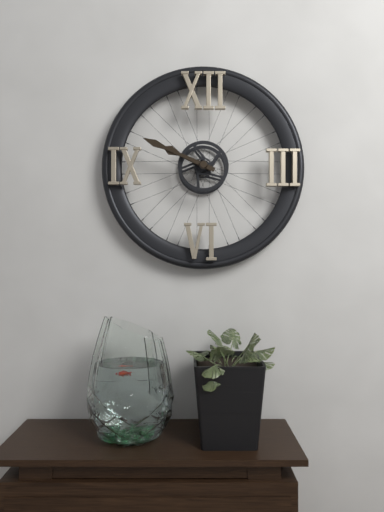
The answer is 9:49
